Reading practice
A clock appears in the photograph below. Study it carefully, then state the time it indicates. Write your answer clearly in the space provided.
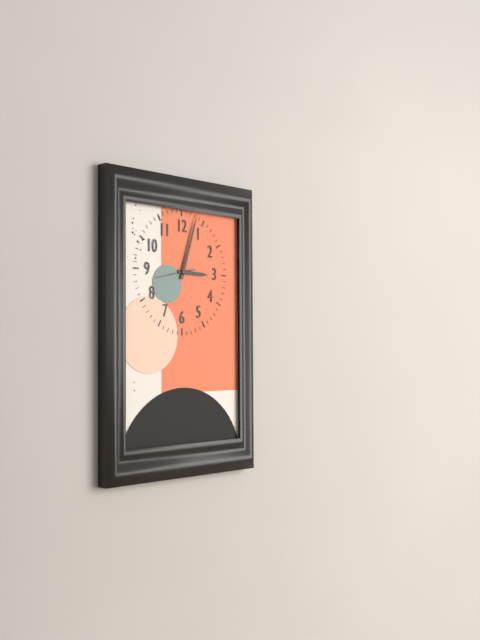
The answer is 3:03
